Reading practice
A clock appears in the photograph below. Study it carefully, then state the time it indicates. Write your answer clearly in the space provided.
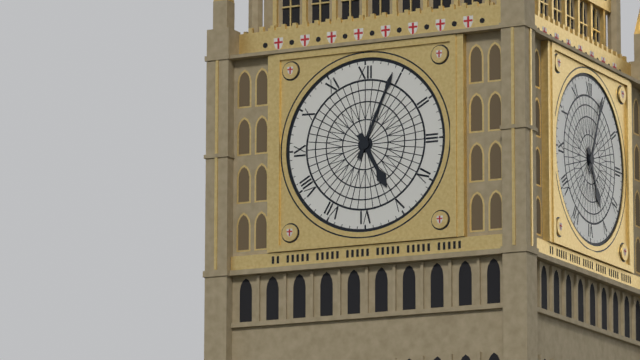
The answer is 5:04
